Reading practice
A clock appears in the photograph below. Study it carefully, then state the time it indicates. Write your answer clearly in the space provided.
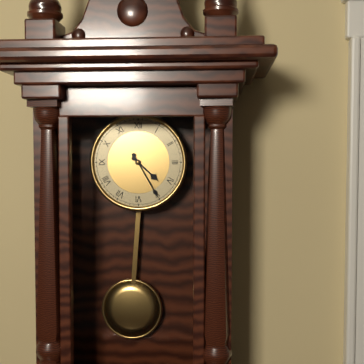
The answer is 4:25
